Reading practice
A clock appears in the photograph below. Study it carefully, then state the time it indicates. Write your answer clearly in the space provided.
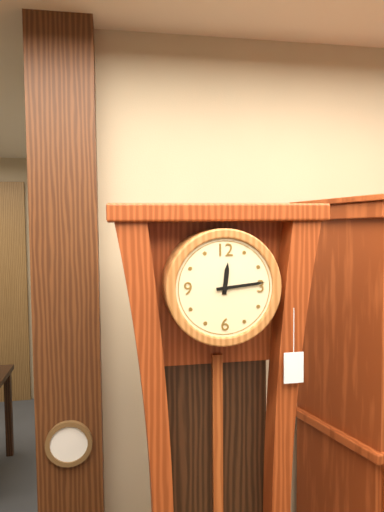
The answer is 12:14
